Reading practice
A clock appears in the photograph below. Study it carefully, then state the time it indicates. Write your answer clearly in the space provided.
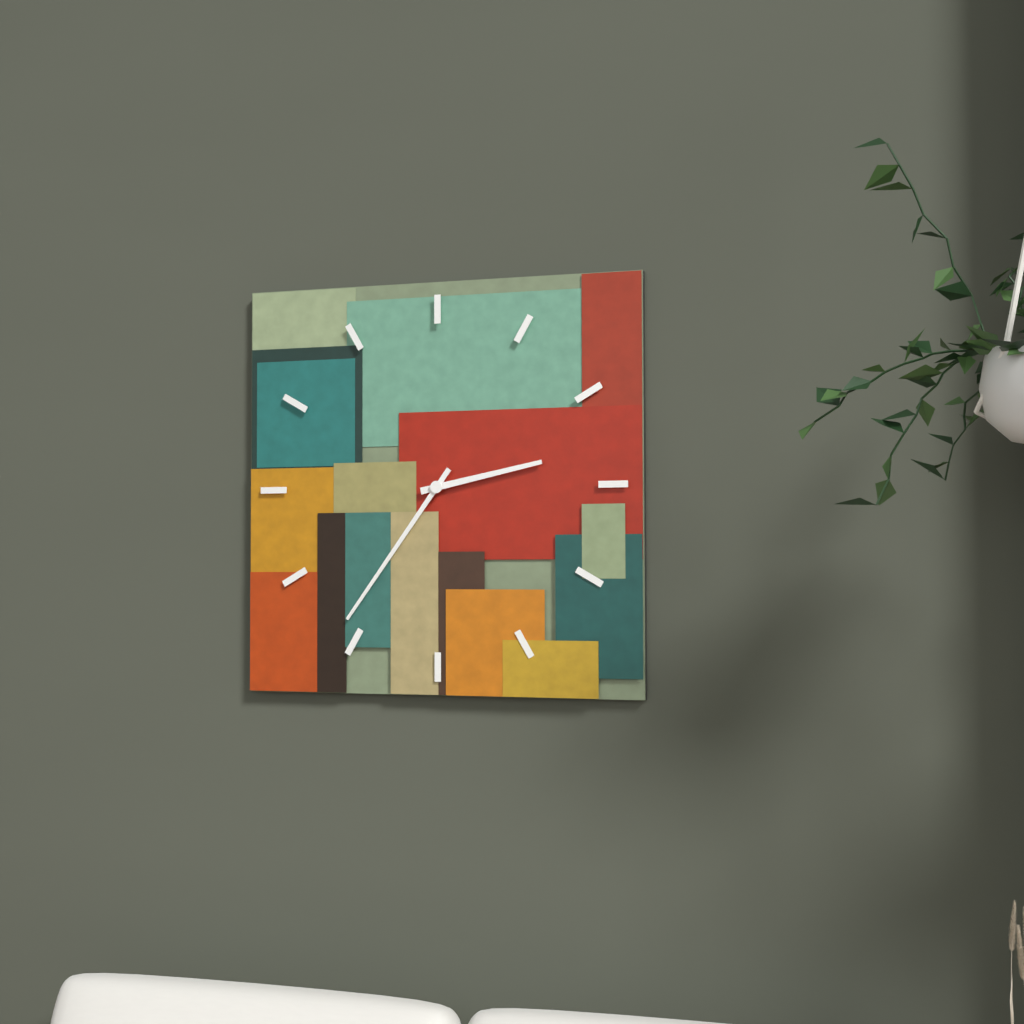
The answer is 2:36
